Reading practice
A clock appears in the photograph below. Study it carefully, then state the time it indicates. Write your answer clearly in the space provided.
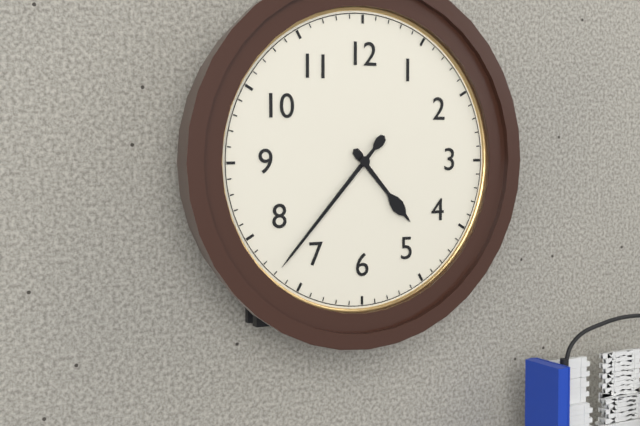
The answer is 4:37
